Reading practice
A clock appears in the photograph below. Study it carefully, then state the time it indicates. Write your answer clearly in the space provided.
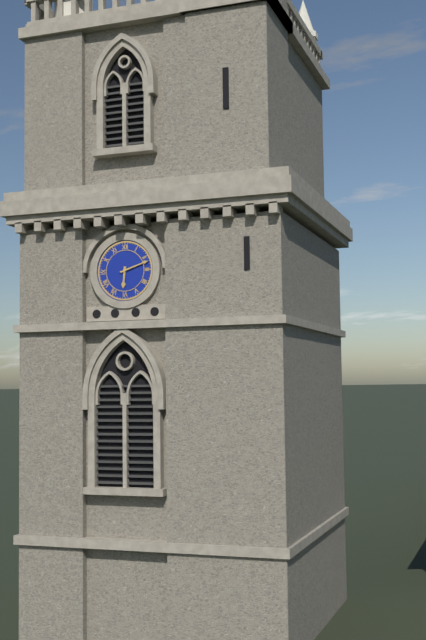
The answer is 6:12
